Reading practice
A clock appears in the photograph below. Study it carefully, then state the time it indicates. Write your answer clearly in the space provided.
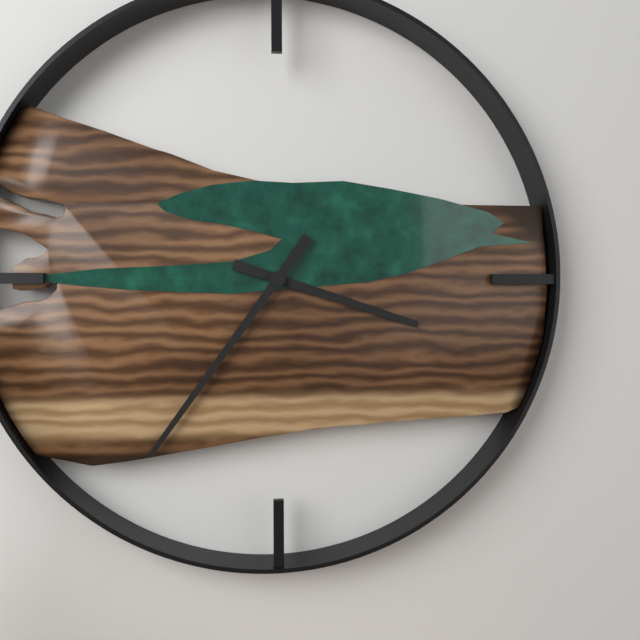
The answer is 3:36
